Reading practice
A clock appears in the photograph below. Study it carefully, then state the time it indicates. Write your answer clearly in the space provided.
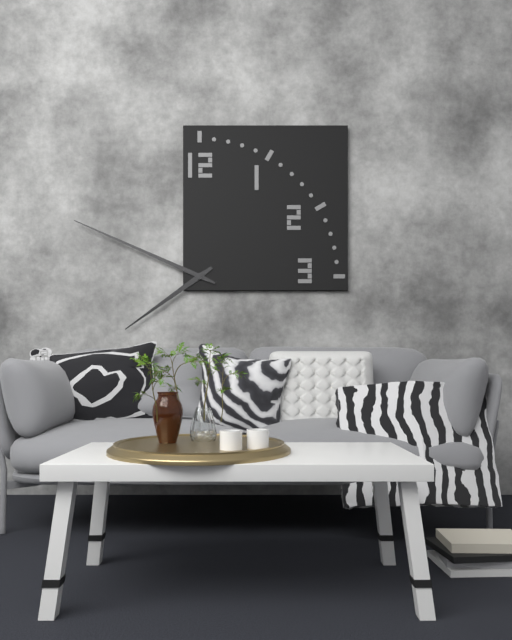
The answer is 7:49
